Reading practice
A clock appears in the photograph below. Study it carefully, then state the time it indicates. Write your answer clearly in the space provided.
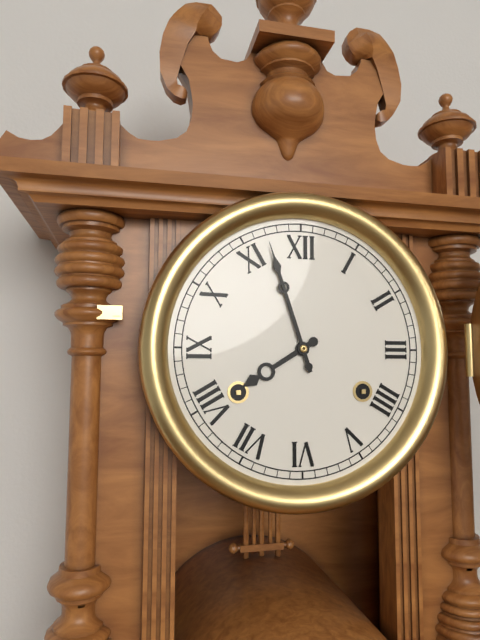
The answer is 7:57
